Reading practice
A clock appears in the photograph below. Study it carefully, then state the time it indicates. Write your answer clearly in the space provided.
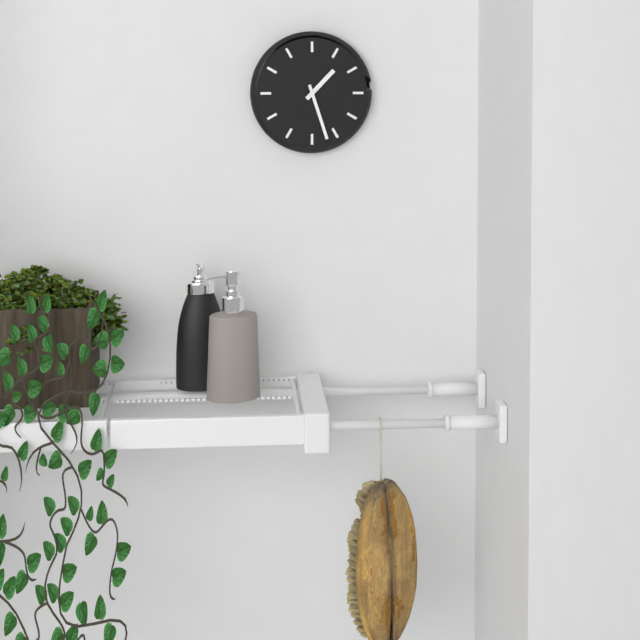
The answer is 1:27
